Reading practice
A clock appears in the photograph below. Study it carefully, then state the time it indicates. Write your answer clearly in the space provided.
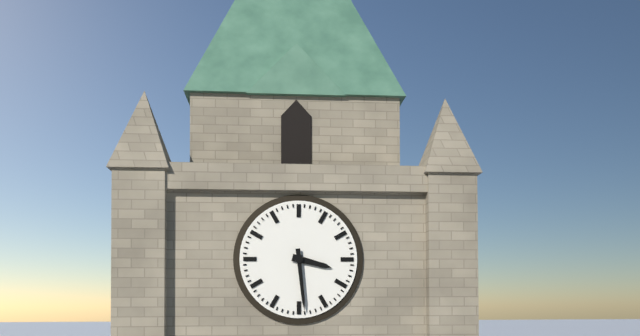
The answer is 3:29
